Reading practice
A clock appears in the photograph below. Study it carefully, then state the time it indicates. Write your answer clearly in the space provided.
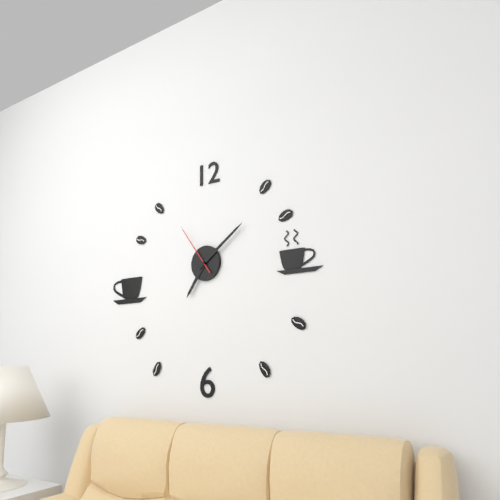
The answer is 7:09:54
